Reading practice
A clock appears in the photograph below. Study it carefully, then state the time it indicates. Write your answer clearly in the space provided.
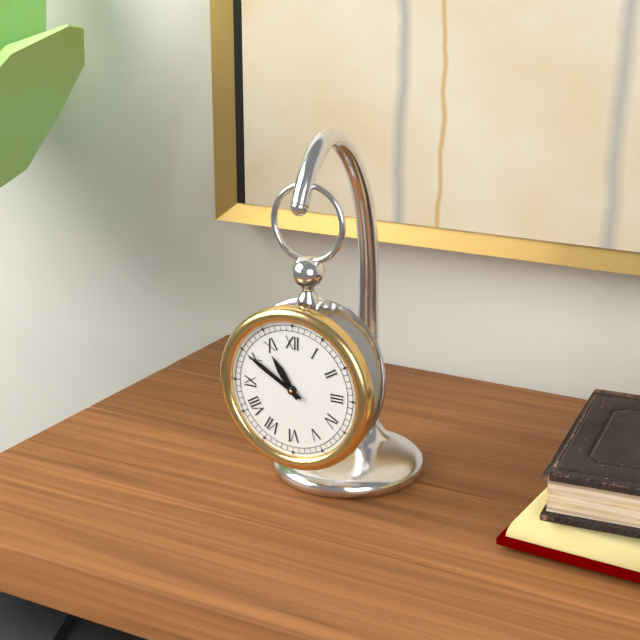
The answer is 10:50
